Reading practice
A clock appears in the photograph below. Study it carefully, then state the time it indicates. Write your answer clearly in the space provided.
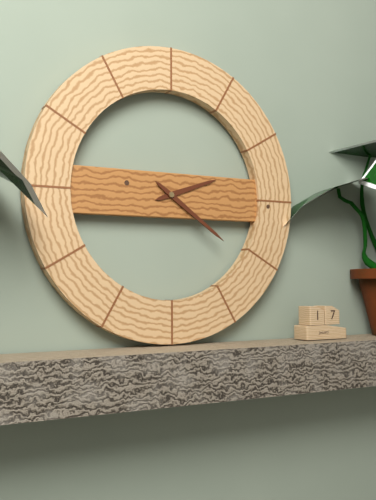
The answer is 2:21
